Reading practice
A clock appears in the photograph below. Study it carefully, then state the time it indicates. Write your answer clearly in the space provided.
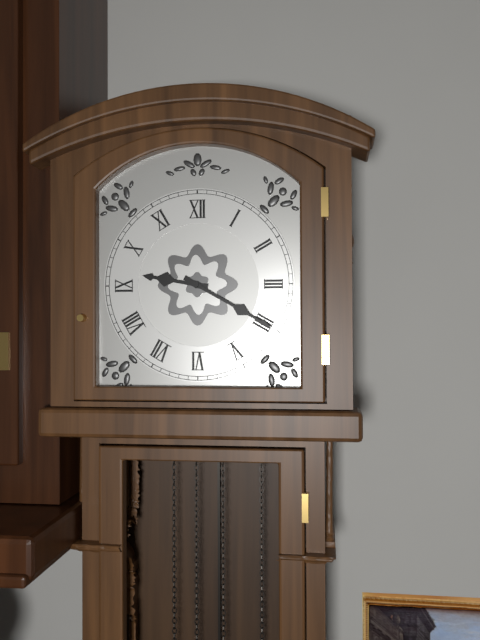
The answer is 9:20
